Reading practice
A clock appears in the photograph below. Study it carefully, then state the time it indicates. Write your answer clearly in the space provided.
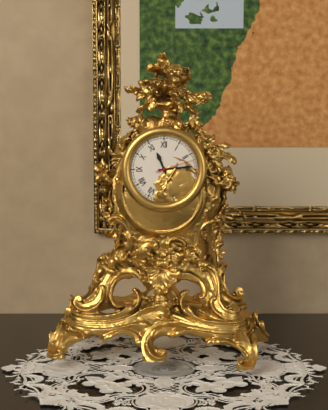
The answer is 11:14
